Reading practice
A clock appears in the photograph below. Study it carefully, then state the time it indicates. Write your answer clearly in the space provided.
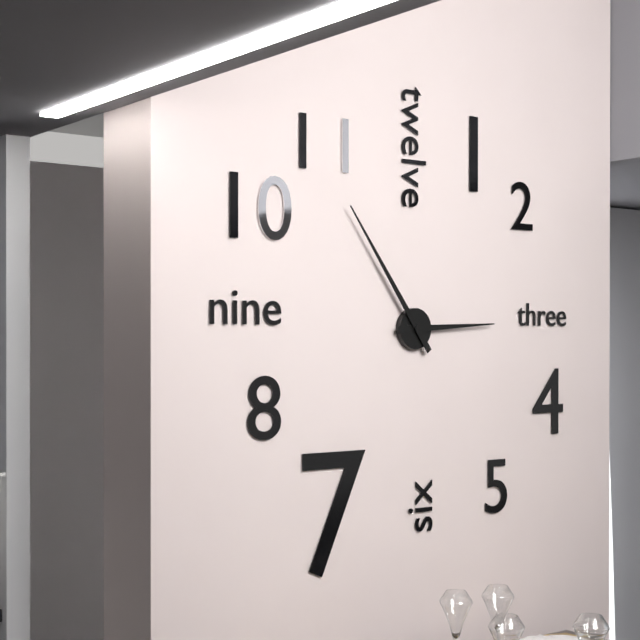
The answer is 2:54
